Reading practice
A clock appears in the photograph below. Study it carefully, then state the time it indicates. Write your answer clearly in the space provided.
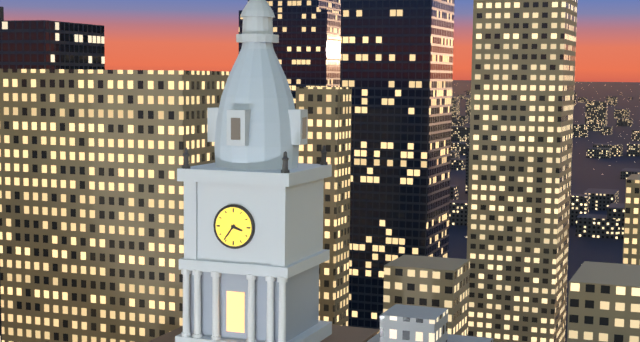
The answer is 3:36
